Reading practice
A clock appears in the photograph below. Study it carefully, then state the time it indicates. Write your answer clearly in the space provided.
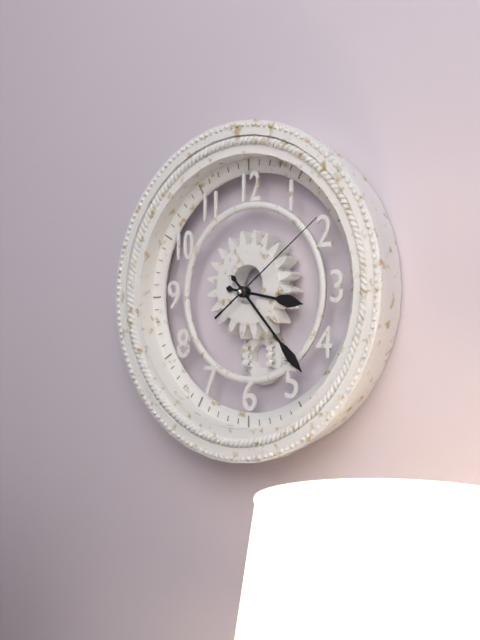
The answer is 3:23:09
